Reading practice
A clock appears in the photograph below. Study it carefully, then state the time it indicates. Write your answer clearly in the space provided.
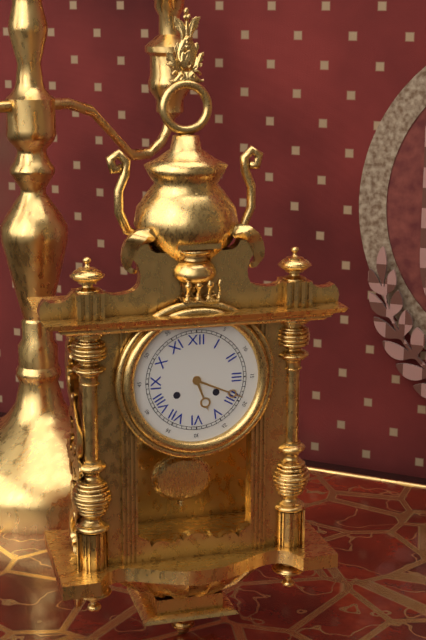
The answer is 5:19
